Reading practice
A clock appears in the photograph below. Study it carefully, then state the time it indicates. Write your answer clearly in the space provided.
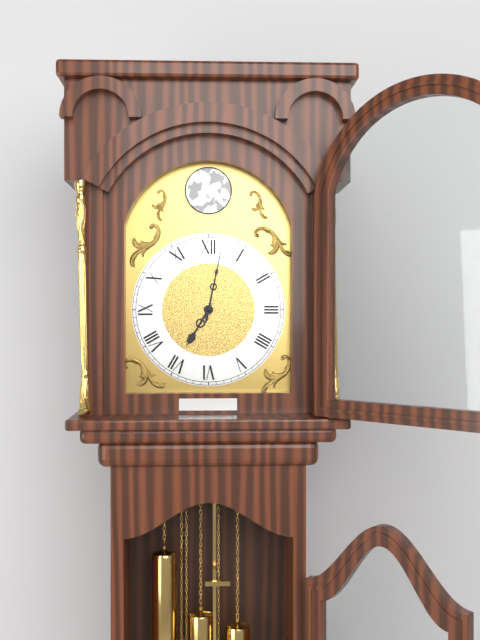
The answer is 7:02
